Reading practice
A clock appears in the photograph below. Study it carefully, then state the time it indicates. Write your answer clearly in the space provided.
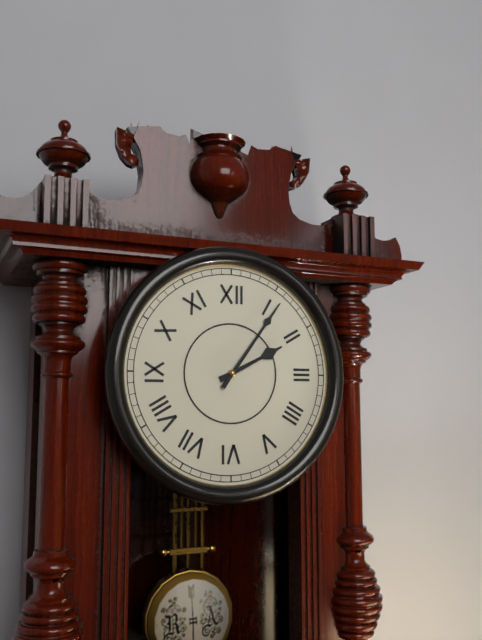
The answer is 2:06
